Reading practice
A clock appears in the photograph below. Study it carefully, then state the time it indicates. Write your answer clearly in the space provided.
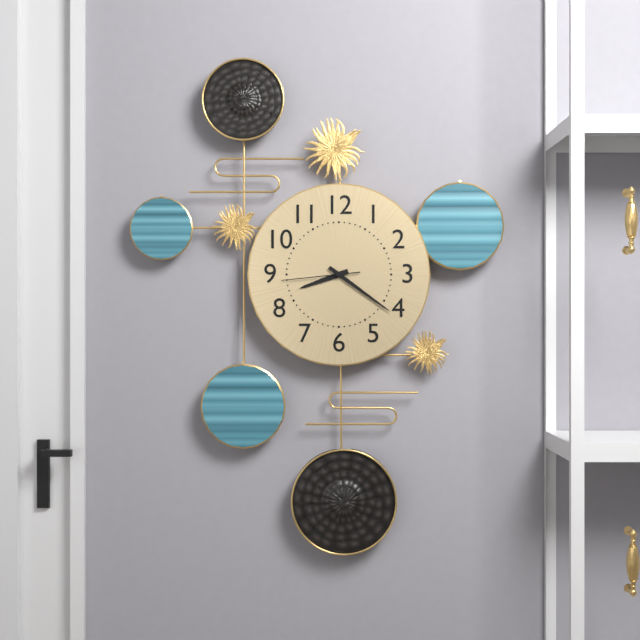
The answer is 8:21:44
